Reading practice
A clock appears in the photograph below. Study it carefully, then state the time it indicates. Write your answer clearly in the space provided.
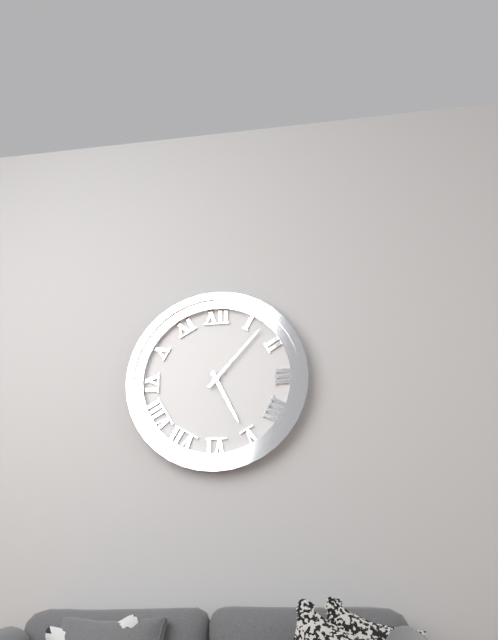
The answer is 5:07
